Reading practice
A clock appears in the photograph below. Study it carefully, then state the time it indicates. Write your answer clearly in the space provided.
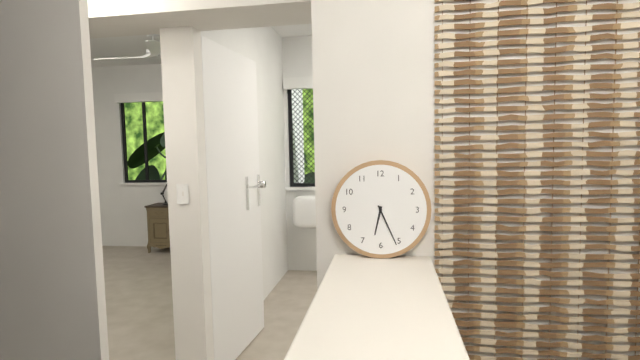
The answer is 6:26
